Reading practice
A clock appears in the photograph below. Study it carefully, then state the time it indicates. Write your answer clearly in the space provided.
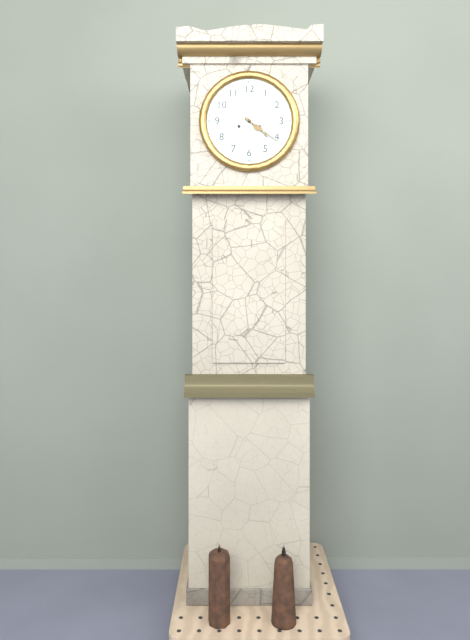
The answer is 4:21
